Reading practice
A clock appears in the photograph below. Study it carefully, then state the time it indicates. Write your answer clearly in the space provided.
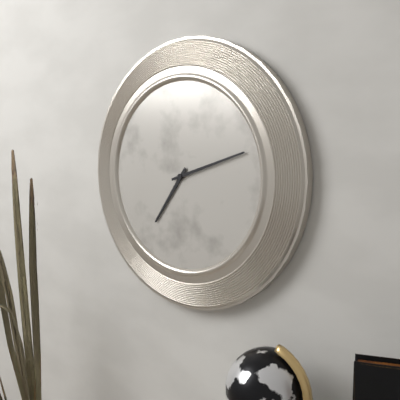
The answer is 7:12
